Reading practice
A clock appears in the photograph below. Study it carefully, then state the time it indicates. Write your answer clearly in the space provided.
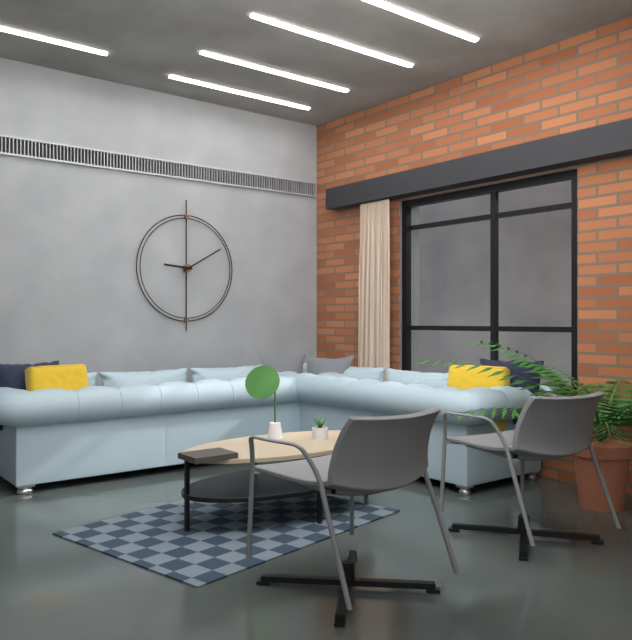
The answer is 9:10
